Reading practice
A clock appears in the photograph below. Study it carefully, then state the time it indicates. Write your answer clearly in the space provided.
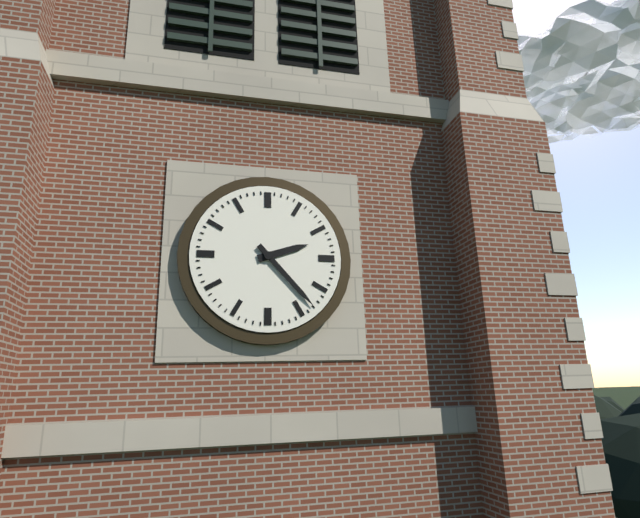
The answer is 2:23
